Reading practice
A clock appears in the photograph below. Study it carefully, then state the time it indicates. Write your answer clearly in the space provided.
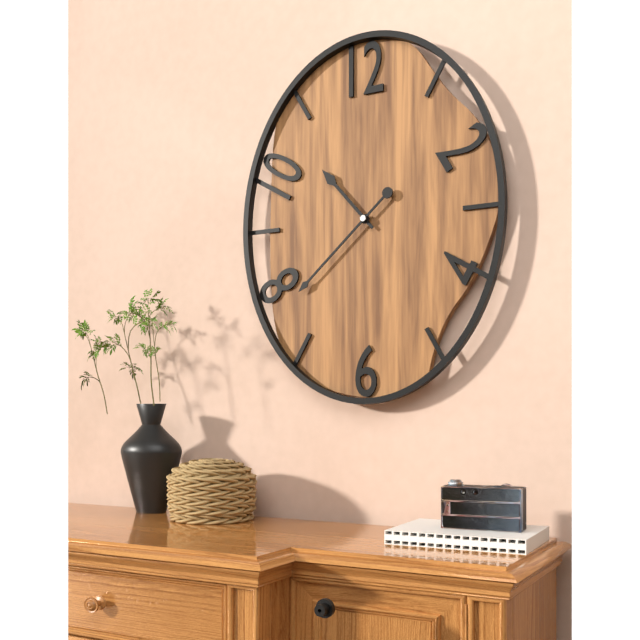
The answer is 10:38
